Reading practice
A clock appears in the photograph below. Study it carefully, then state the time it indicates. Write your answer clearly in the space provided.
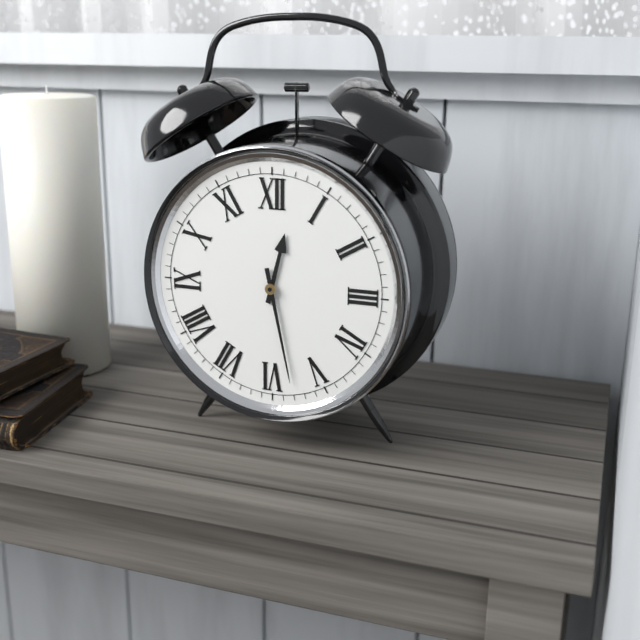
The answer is 12:28
